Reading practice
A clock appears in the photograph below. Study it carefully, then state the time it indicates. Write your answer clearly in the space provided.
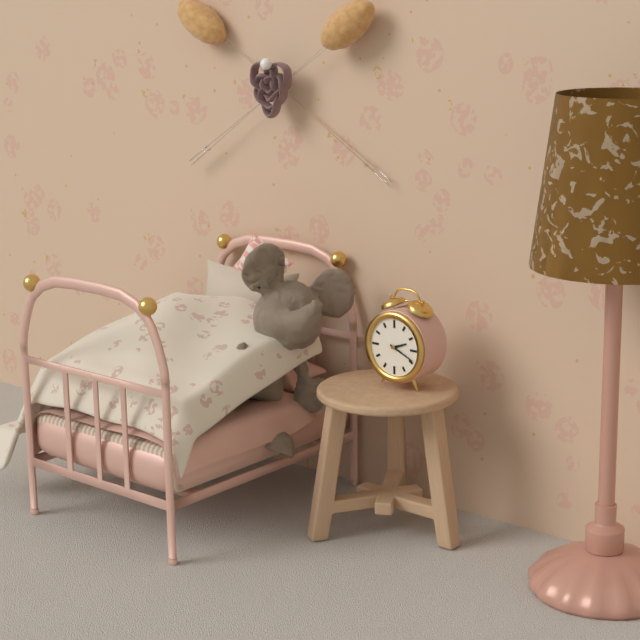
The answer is 2:19
